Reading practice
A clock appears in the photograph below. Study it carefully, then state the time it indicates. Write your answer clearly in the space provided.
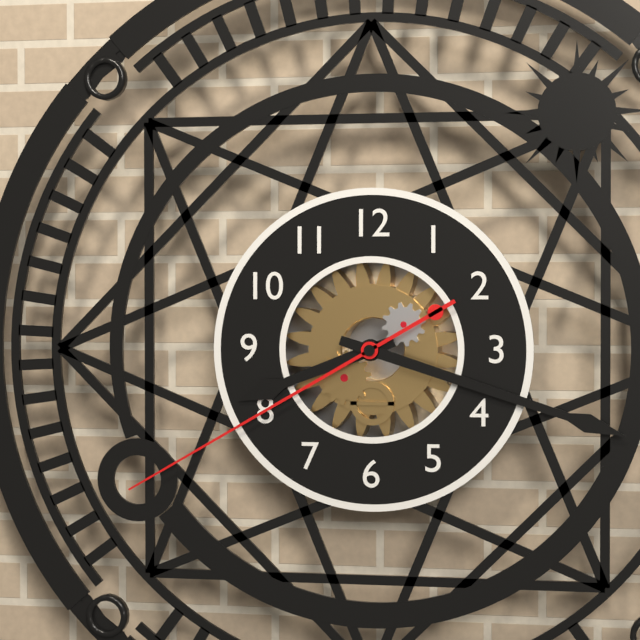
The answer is 8:18:40
